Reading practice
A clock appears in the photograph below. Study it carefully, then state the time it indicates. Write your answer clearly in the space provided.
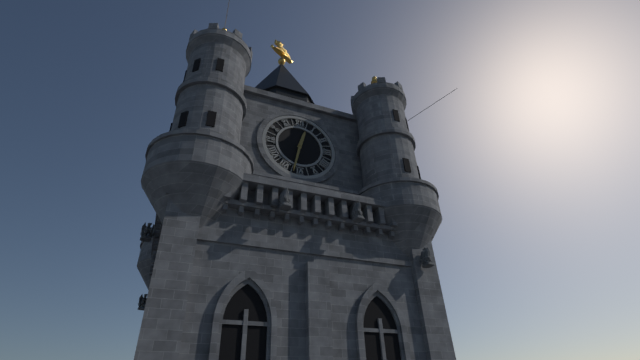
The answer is 12:32
